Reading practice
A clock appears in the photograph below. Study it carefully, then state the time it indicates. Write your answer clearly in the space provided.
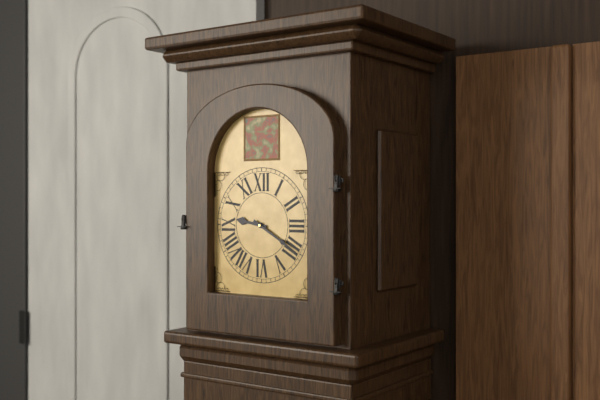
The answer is 9:20
